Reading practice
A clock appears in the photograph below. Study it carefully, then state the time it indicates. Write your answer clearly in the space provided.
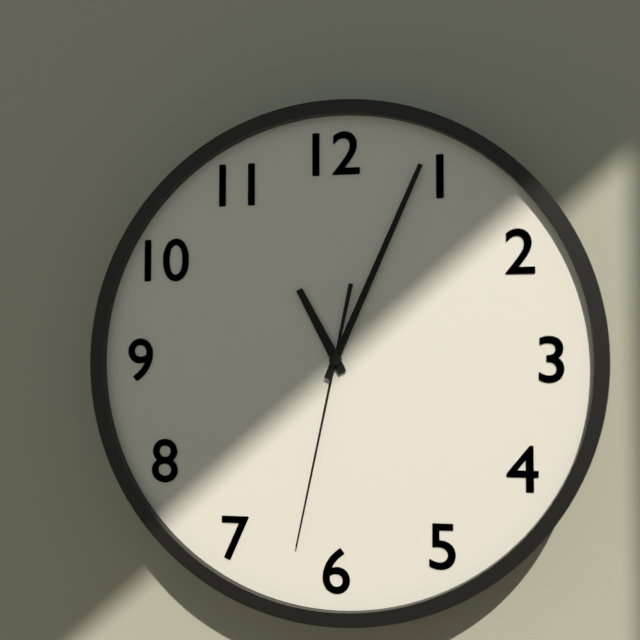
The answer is 11:04:32
